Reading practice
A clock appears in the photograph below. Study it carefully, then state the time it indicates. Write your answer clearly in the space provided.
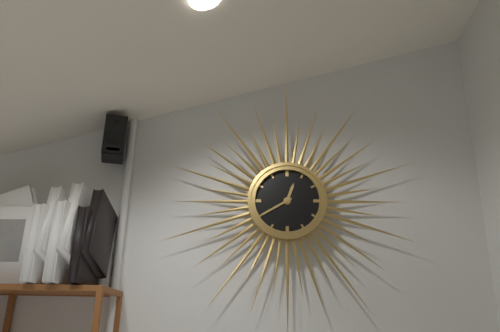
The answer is 12:40
